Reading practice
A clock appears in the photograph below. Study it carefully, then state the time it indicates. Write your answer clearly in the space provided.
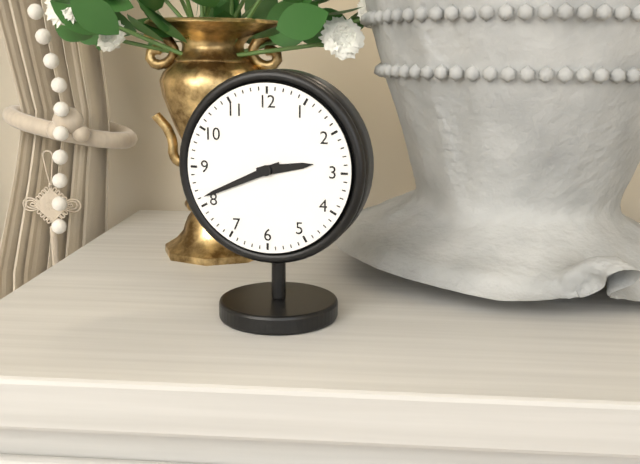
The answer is 2:41
